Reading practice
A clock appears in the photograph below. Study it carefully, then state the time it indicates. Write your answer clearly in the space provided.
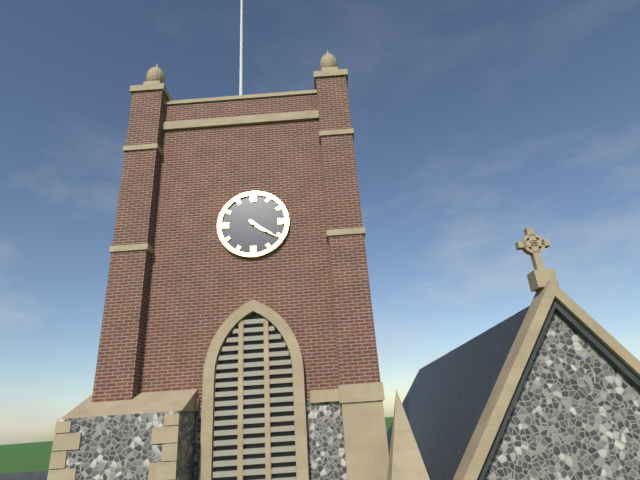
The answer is 4:21
